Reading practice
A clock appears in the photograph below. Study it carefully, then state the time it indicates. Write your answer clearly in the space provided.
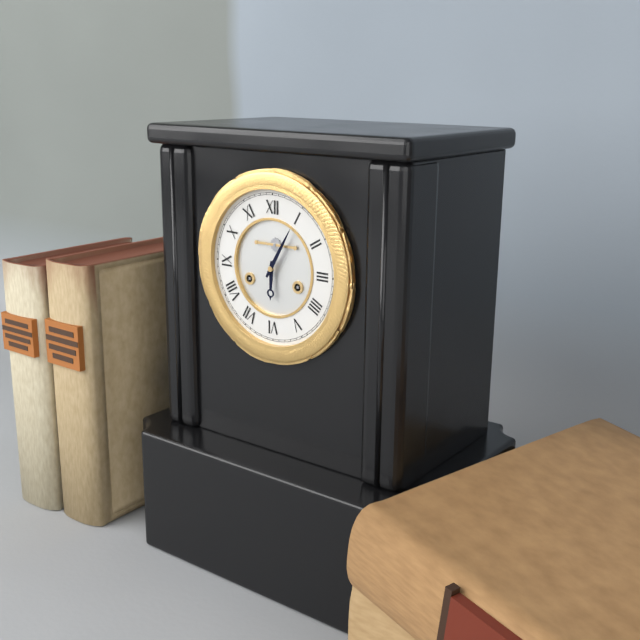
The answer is 6:05
